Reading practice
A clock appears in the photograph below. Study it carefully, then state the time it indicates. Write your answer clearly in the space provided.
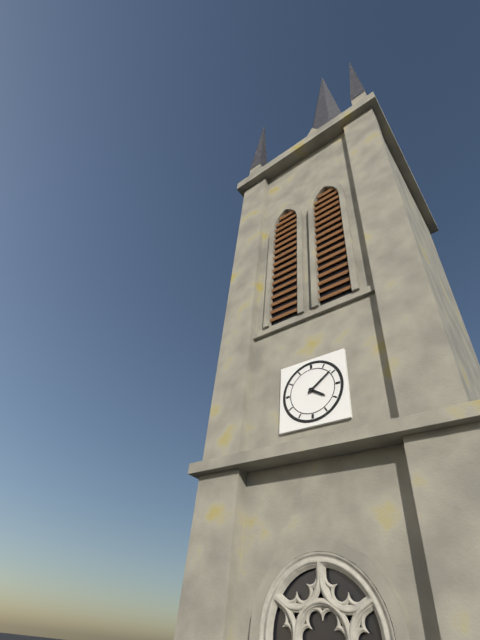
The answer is 4:09
